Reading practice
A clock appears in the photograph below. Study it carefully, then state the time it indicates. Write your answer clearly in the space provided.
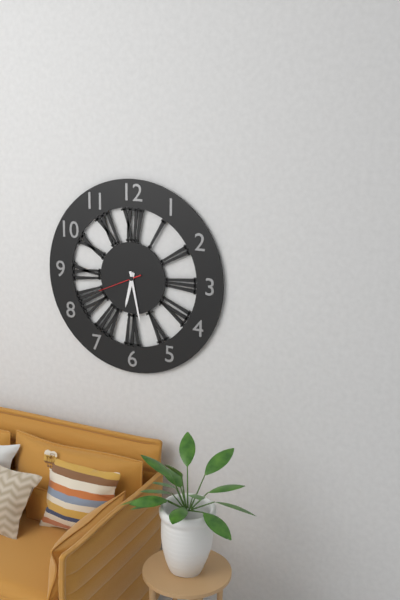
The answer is 6:28
